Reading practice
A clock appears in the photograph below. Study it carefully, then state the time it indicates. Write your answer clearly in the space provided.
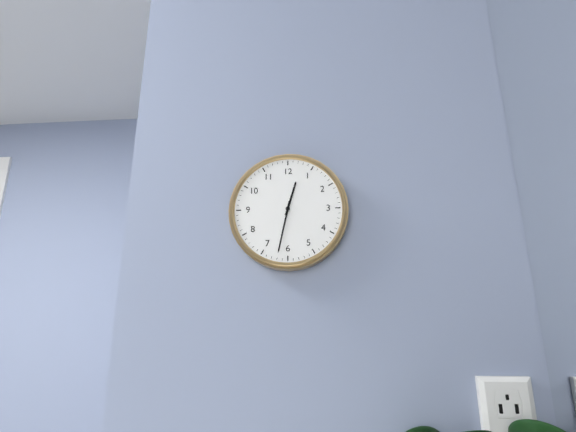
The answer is 12:32
